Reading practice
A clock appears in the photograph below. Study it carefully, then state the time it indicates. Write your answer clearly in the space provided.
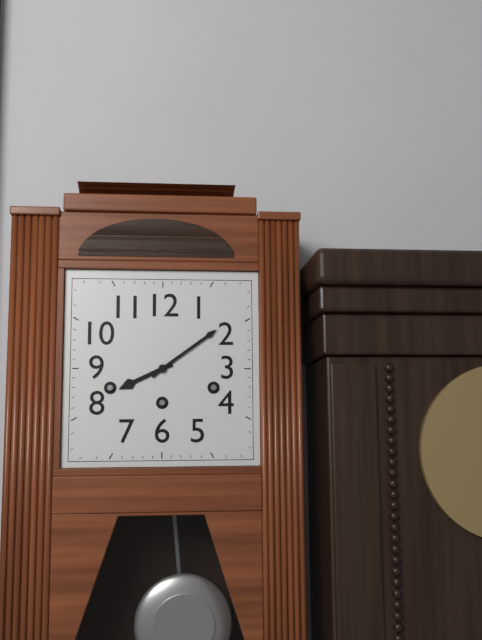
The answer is 8:09
